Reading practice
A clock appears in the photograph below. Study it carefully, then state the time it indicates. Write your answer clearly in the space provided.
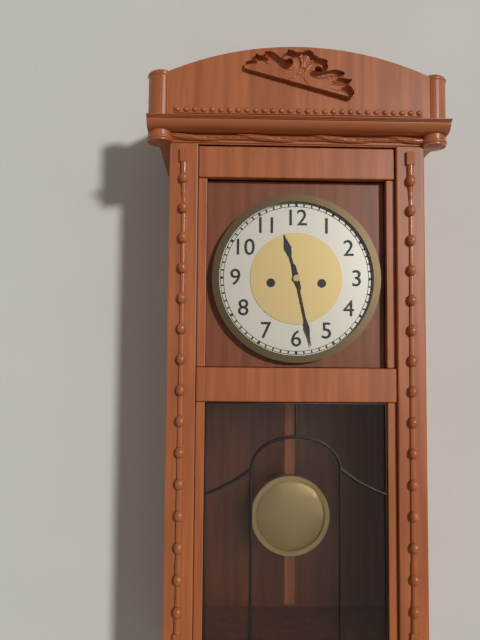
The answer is 11:28
